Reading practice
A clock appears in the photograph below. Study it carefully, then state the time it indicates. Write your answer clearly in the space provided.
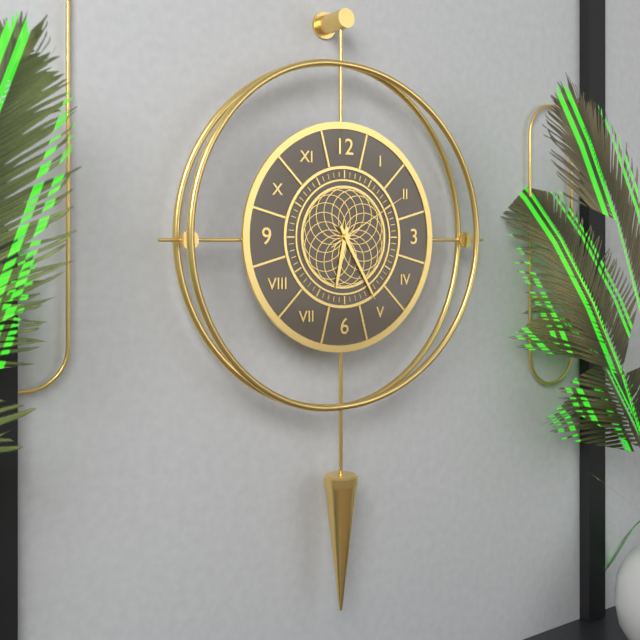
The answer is 6:25:10
